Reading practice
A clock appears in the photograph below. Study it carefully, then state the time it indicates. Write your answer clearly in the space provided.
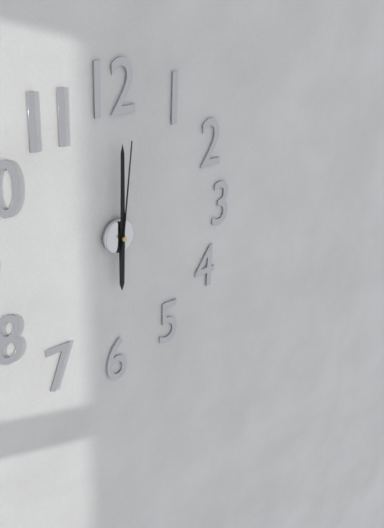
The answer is 6:00:01
